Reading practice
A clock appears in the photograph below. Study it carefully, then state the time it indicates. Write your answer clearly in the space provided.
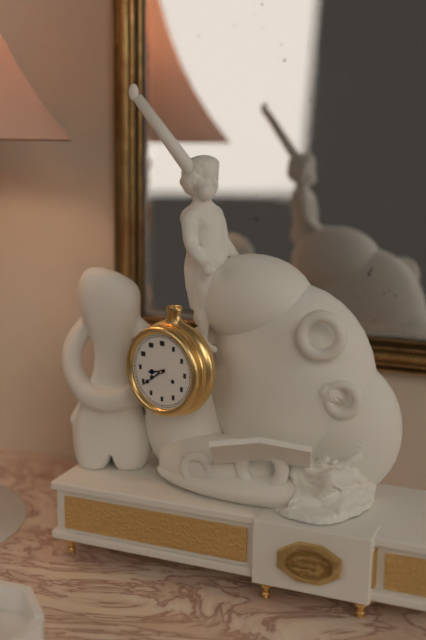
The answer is 8:39
